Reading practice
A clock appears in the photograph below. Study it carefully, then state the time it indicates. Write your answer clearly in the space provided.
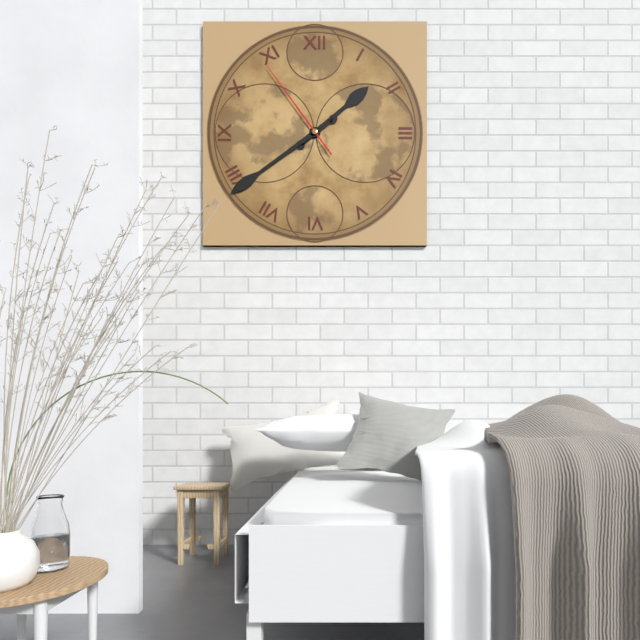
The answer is 1:39:54
